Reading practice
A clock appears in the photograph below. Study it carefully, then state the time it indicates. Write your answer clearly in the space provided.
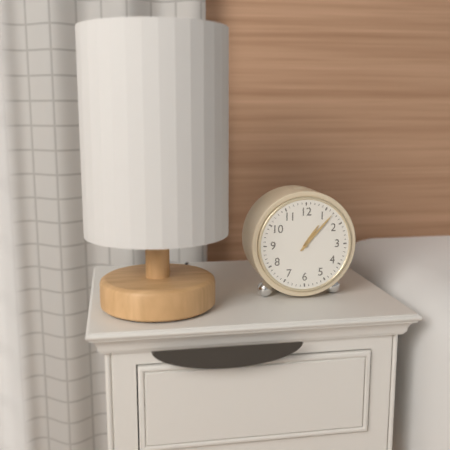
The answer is 1:07
